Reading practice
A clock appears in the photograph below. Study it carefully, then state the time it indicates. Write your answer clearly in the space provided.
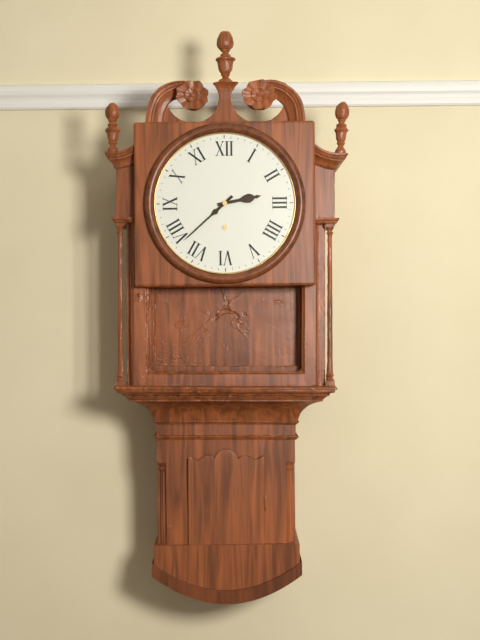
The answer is 2:38
